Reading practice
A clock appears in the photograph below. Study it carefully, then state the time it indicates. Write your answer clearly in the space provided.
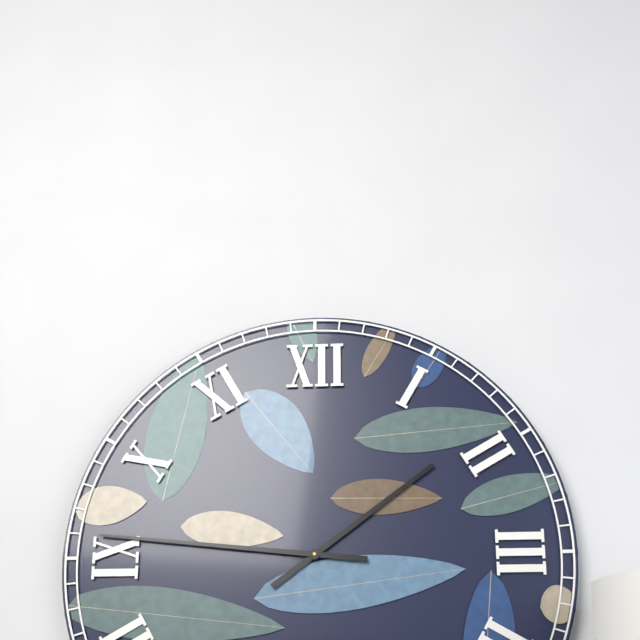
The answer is 1:46
